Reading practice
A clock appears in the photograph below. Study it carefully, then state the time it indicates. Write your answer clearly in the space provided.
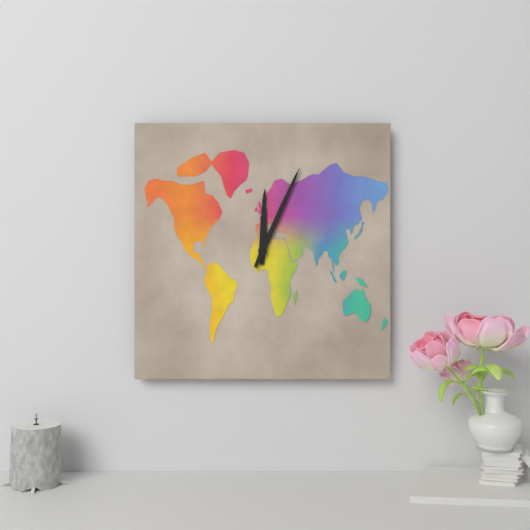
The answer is 12:04
